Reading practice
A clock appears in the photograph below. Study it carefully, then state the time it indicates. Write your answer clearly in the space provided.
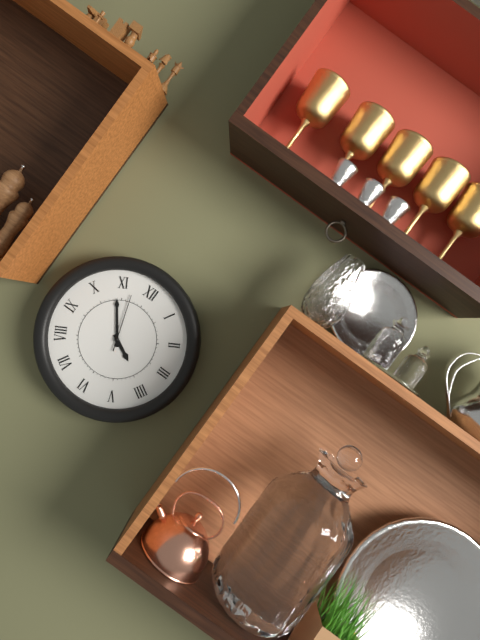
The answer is 3:54:57
